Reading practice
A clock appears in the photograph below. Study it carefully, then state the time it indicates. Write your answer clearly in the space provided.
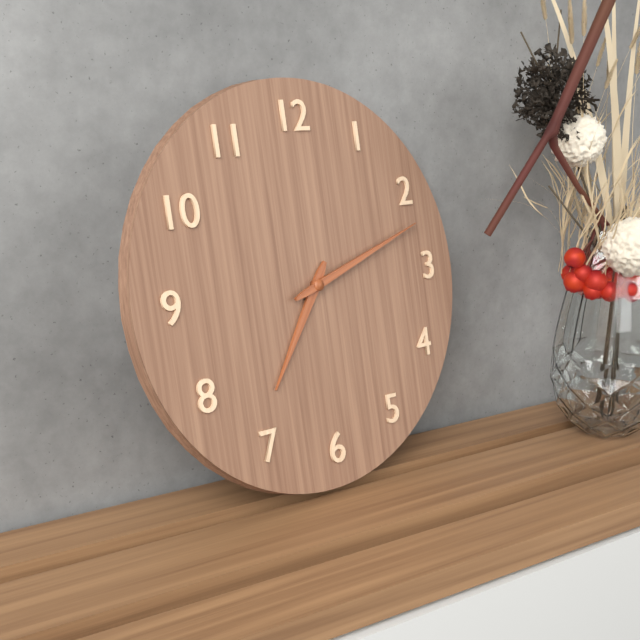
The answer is 7:12
